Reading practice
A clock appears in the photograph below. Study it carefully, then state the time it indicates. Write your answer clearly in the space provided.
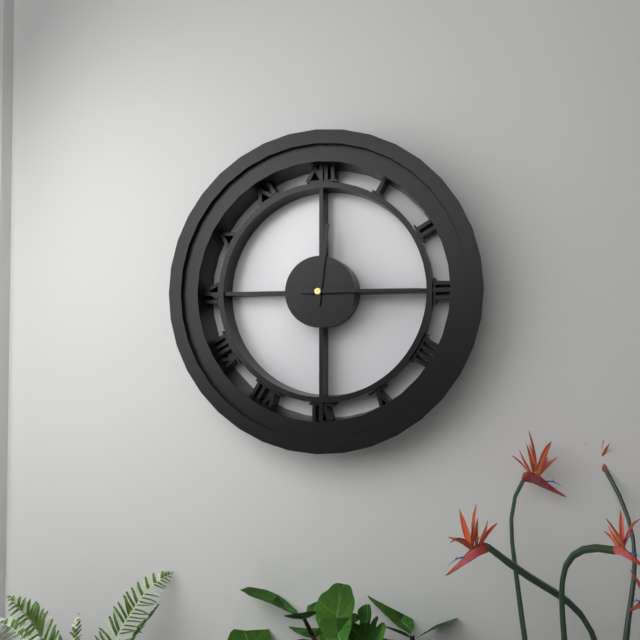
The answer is 12:15
